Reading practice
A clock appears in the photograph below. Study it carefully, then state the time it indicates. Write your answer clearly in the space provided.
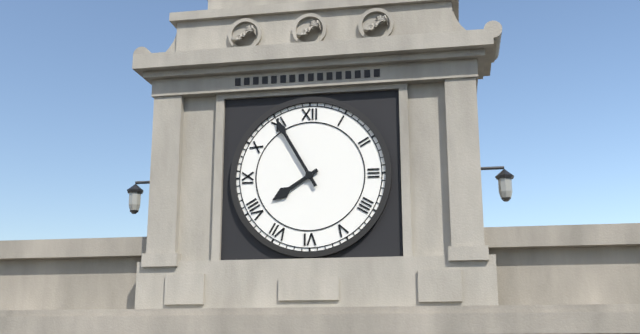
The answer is 7:55
